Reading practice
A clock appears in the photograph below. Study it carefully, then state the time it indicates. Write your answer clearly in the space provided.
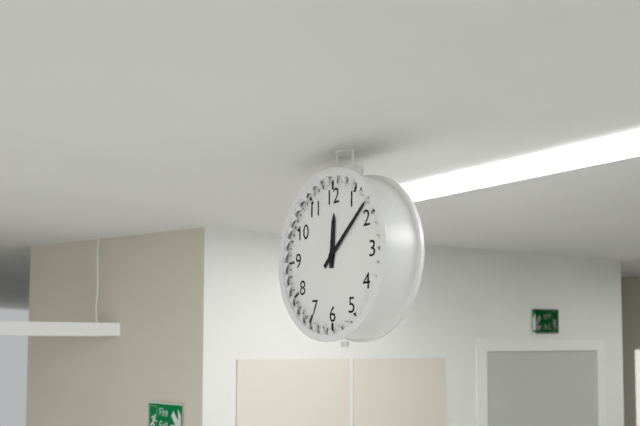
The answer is 12:08
